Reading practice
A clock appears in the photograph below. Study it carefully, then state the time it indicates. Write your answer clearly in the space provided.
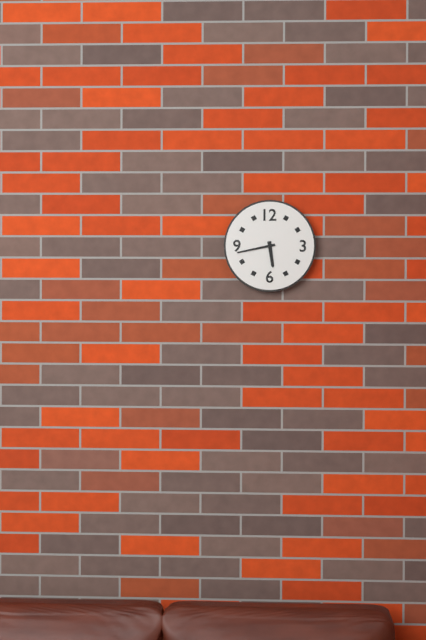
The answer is 5:43
